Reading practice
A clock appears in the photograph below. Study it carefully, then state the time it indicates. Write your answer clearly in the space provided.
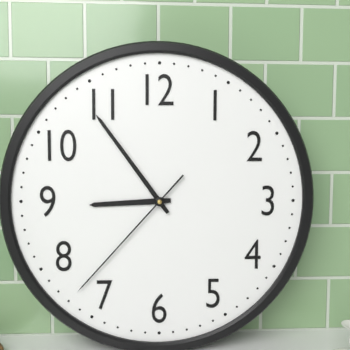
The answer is 8:54:37
